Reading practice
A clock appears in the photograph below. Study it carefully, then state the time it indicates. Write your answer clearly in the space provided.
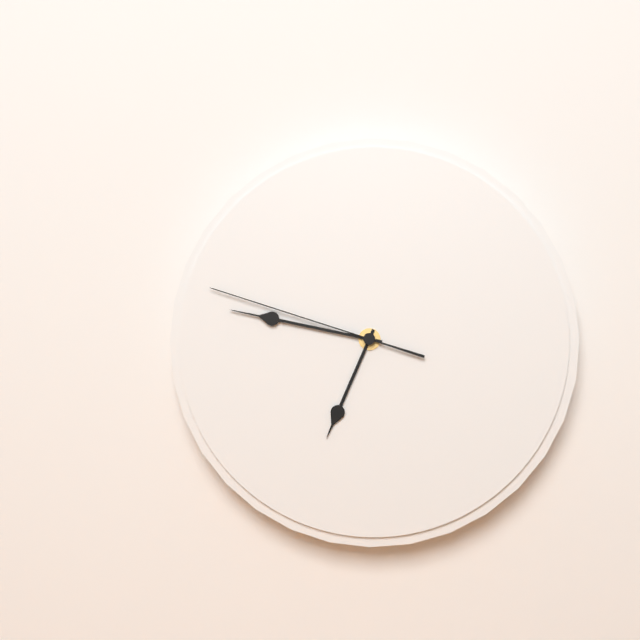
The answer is 6:47:48
